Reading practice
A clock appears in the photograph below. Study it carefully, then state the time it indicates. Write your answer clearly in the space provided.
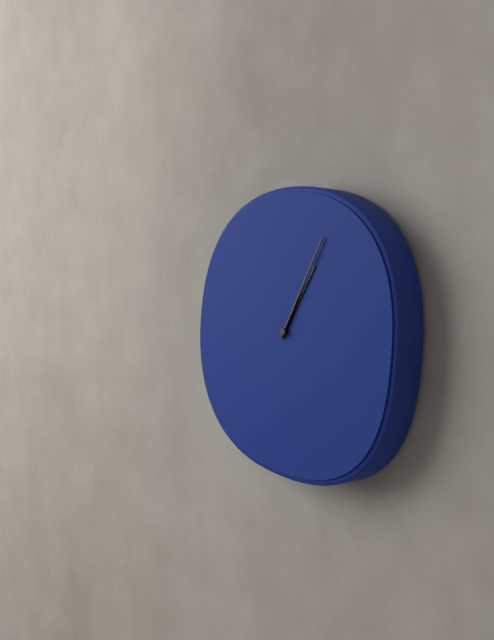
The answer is 1:05
